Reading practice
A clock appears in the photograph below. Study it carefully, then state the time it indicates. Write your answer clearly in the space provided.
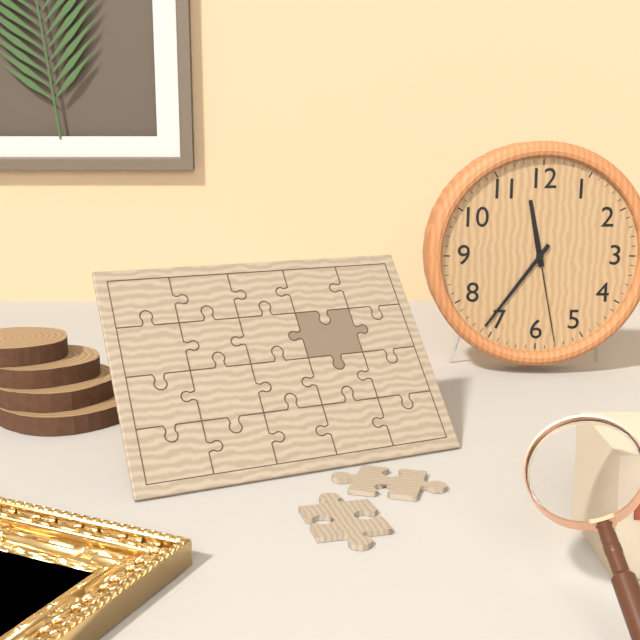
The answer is 11:36:28
